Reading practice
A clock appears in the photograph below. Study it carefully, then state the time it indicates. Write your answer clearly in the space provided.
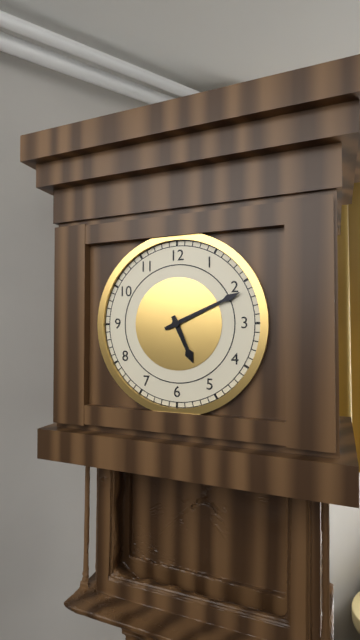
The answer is 5:11
